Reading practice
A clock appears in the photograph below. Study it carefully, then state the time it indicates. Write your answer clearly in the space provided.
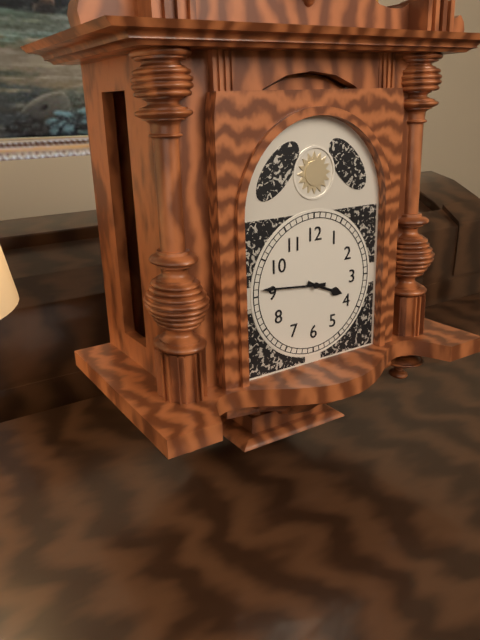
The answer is 3:46
